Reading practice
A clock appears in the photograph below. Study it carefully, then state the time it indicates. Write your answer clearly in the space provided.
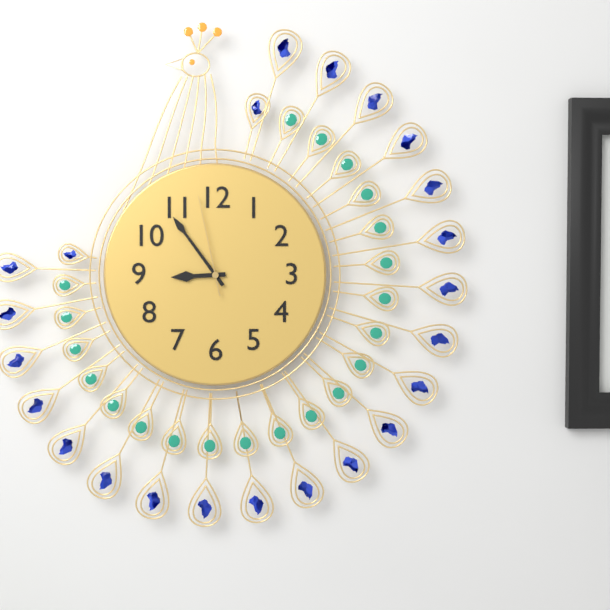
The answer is 8:54:58
